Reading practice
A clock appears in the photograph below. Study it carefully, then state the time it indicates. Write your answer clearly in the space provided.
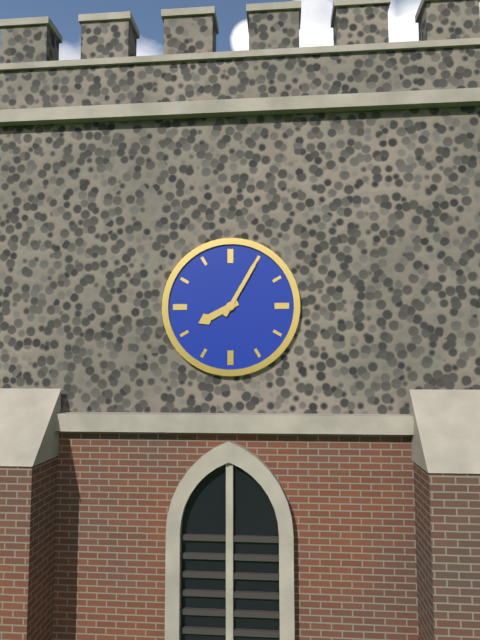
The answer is 8:05
